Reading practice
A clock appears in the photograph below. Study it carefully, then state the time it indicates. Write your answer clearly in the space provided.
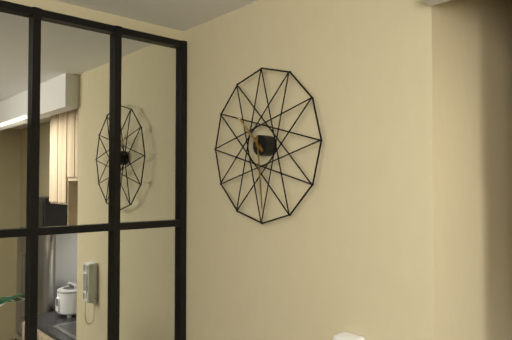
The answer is 10:29
